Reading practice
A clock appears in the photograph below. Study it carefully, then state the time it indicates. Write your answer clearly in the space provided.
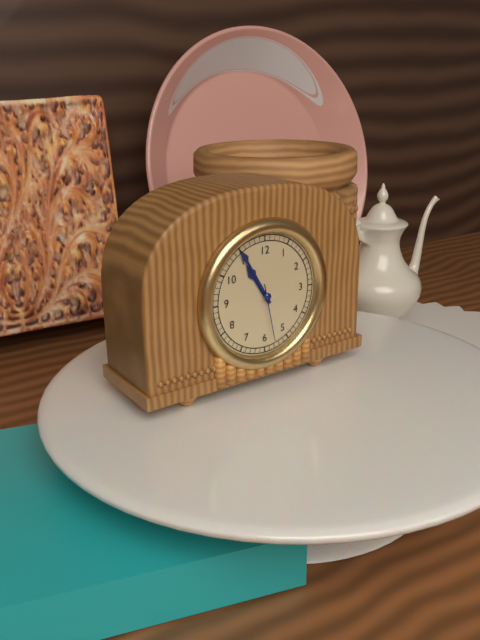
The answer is 10:55:28
